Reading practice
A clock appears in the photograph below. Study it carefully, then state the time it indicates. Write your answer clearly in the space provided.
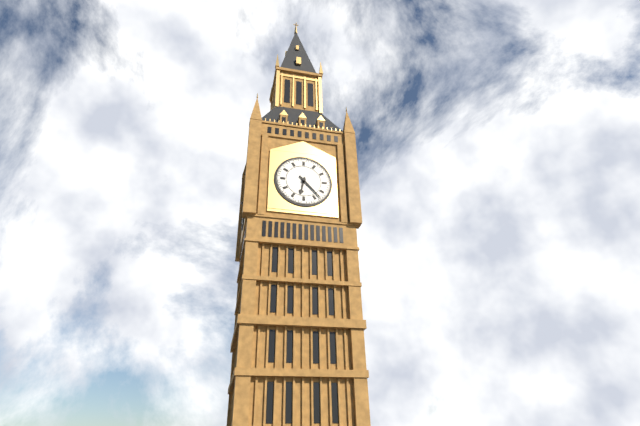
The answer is 6:23
